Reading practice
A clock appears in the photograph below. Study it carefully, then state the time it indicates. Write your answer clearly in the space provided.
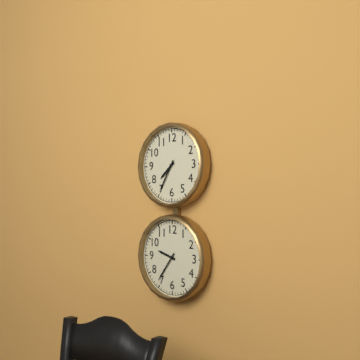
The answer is 7:35
